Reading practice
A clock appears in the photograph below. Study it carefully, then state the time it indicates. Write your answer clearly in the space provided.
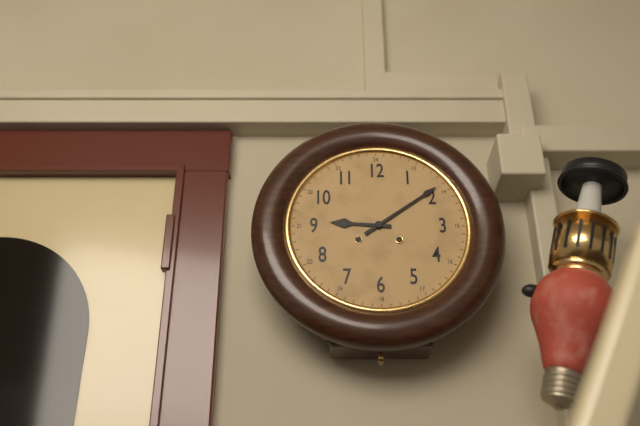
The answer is 9:09
